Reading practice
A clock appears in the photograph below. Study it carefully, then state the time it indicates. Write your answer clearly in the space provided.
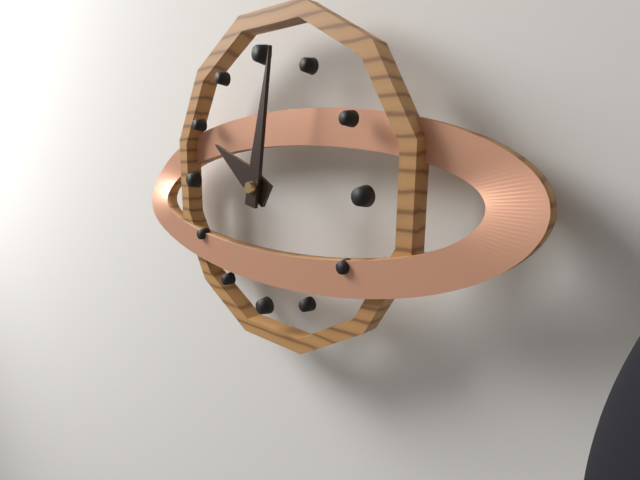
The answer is 10:02
